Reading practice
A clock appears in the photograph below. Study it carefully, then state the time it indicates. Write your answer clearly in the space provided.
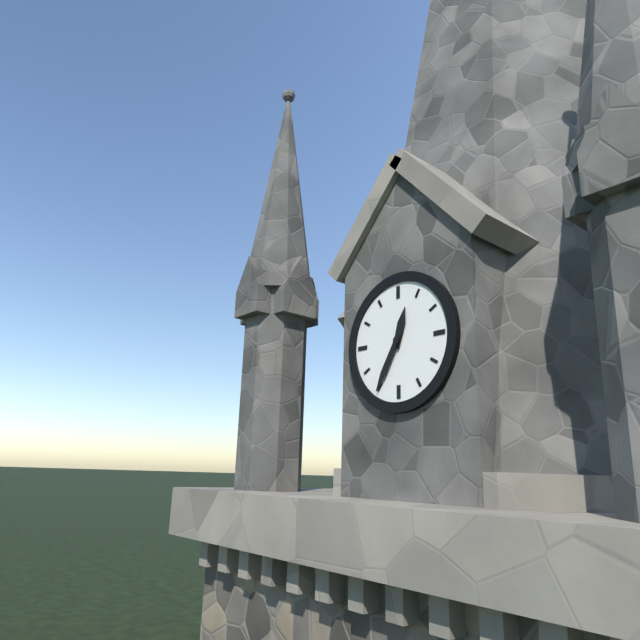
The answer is 12:35
